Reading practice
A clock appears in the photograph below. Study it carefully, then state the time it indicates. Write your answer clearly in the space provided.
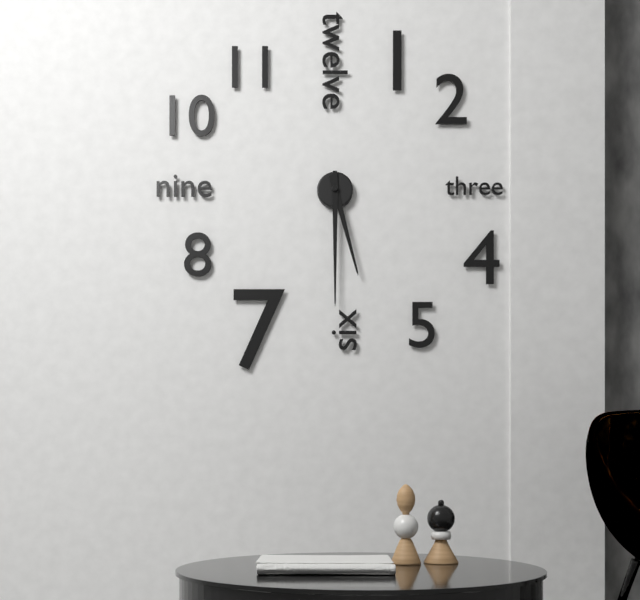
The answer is 5:30
